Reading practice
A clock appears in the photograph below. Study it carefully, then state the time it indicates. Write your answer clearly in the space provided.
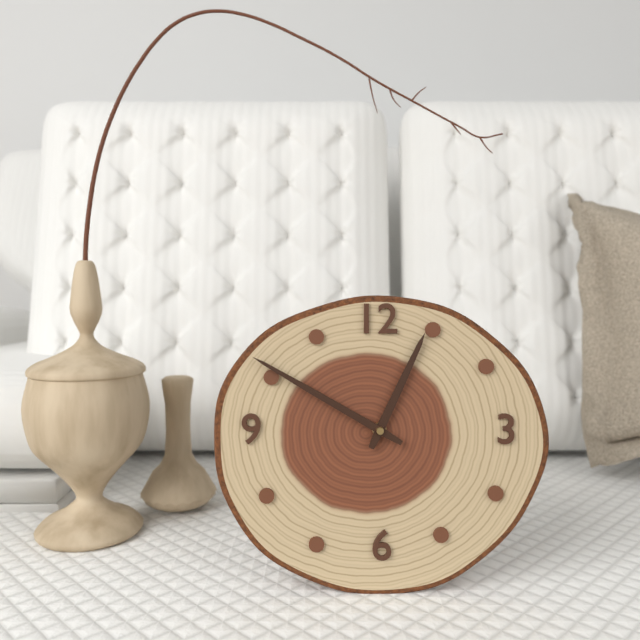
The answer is 12:50
